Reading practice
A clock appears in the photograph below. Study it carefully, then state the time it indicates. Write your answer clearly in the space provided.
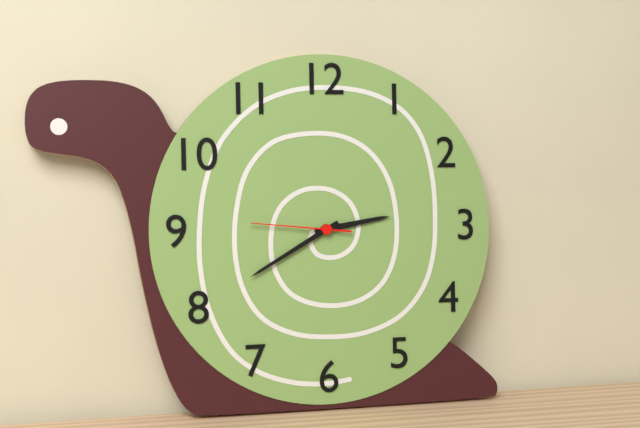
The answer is 2:40:46
